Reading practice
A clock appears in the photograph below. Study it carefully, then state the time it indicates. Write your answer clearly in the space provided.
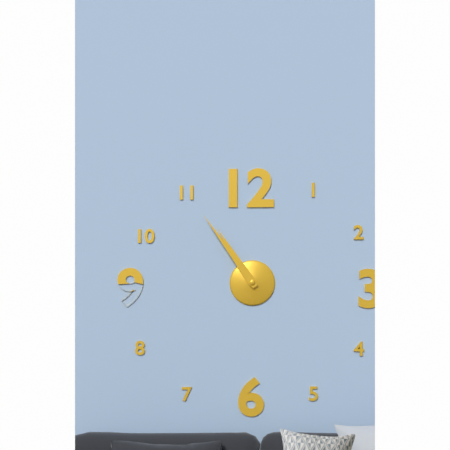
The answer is 10:54
